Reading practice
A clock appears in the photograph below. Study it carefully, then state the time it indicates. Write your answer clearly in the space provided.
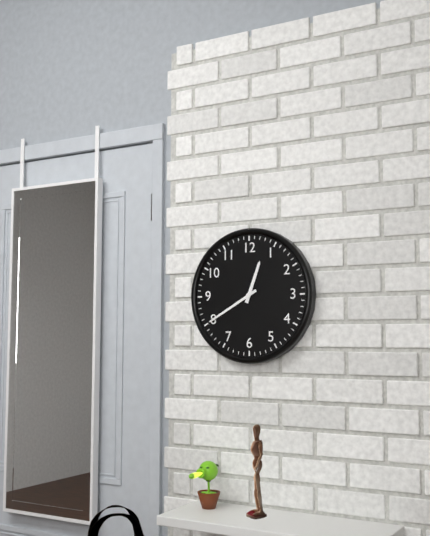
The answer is 12:40
